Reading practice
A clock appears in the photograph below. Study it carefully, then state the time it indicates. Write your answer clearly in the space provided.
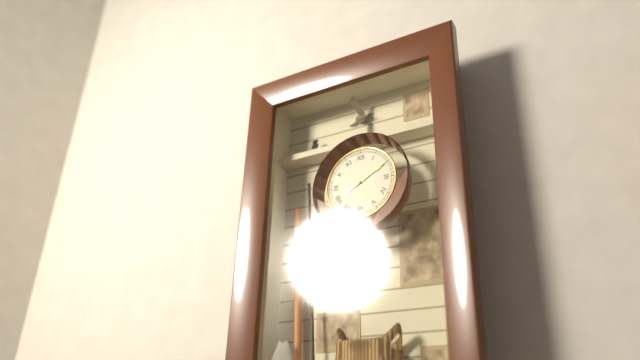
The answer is 8:10
